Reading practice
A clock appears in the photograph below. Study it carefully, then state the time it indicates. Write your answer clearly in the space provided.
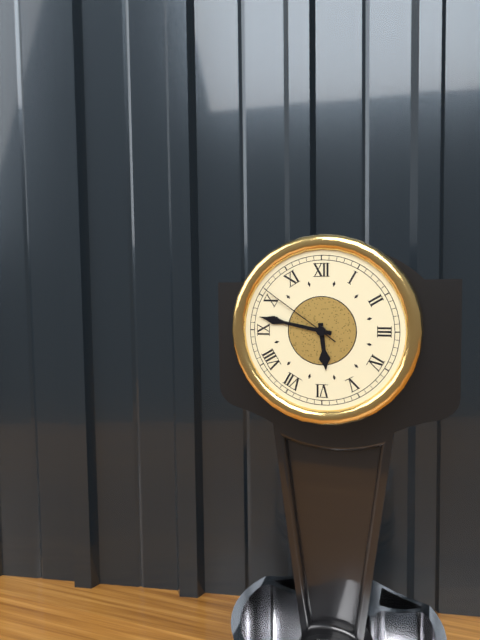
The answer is 5:47:51
